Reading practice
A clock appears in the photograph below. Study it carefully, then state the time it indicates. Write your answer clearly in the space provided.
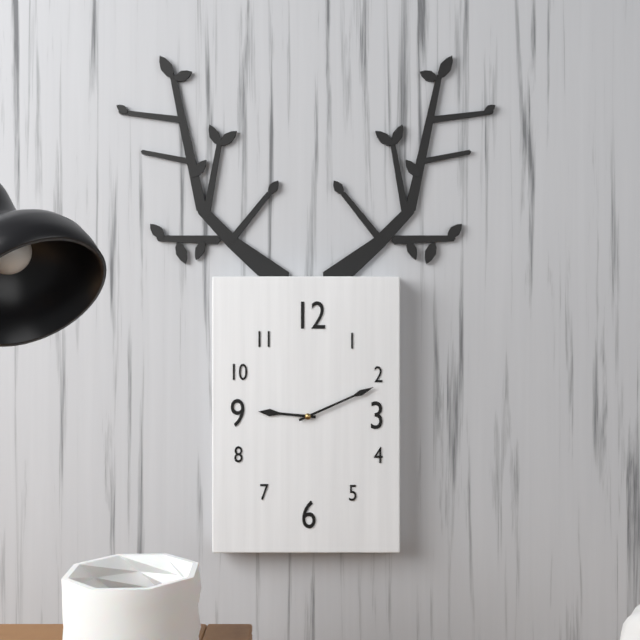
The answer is 9:11
